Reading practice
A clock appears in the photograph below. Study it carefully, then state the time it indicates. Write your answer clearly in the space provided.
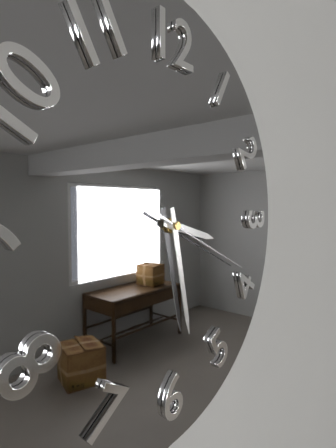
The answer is 3:28:19
